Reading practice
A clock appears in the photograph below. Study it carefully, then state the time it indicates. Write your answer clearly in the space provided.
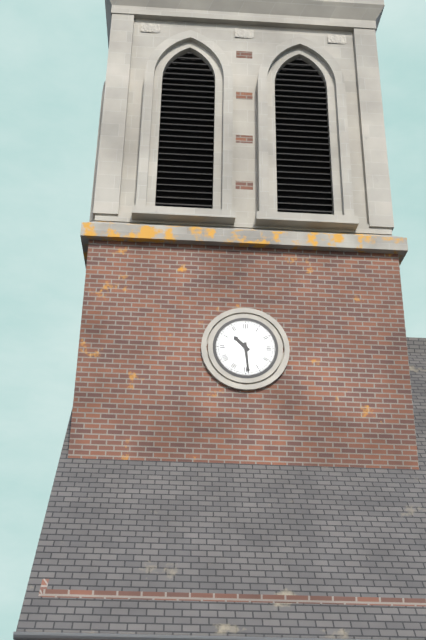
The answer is 10:29
